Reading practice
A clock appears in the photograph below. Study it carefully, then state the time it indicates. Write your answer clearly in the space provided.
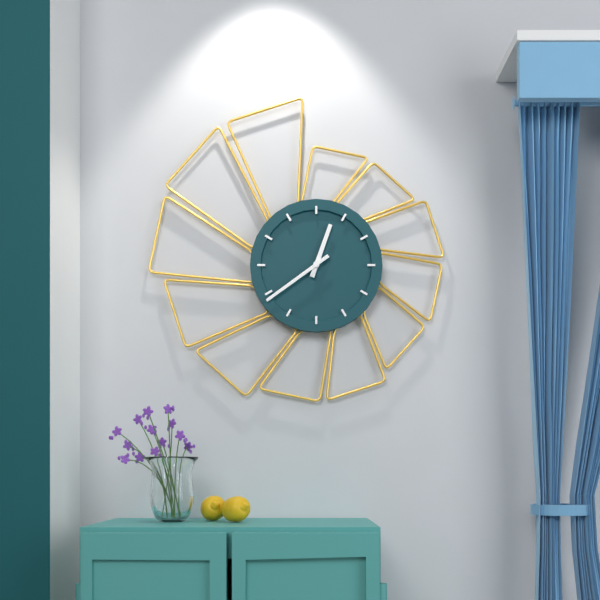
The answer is 12:39
